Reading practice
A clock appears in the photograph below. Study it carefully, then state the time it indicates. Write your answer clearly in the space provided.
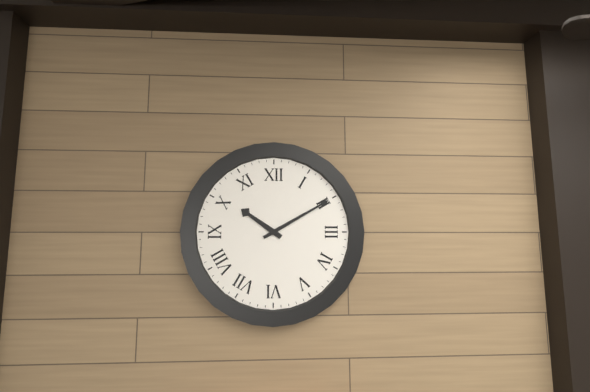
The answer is 10:10
